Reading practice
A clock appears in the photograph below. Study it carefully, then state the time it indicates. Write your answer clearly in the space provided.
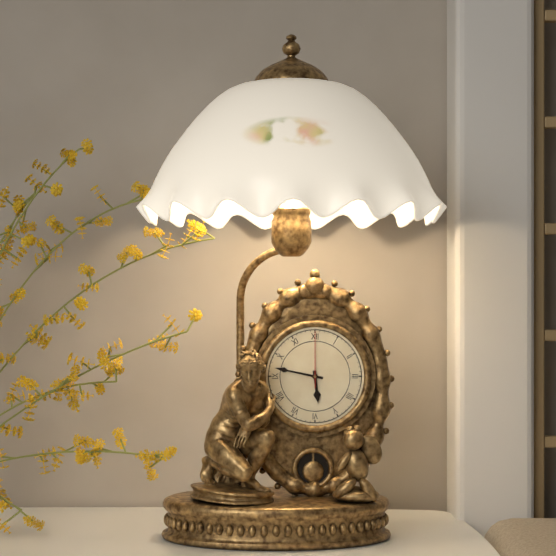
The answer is 5:47:00
